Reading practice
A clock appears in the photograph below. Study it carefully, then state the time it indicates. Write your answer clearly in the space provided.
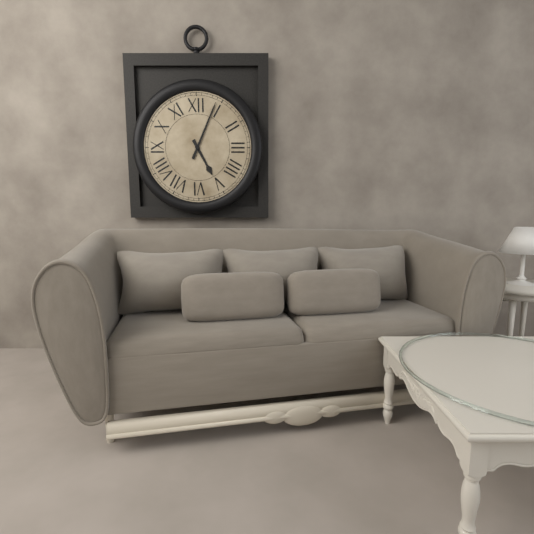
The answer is 5:04
